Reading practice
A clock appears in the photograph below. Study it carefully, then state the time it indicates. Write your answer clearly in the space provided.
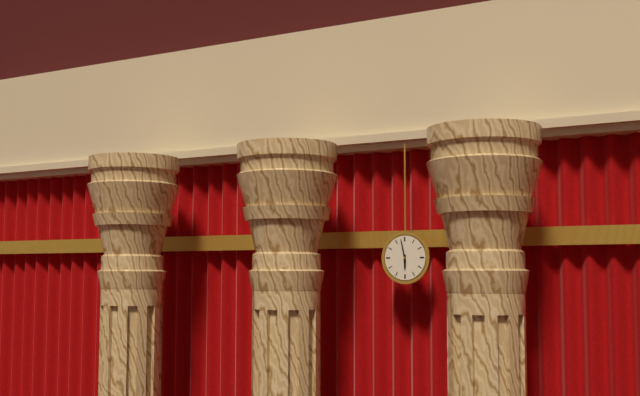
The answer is 5:58
